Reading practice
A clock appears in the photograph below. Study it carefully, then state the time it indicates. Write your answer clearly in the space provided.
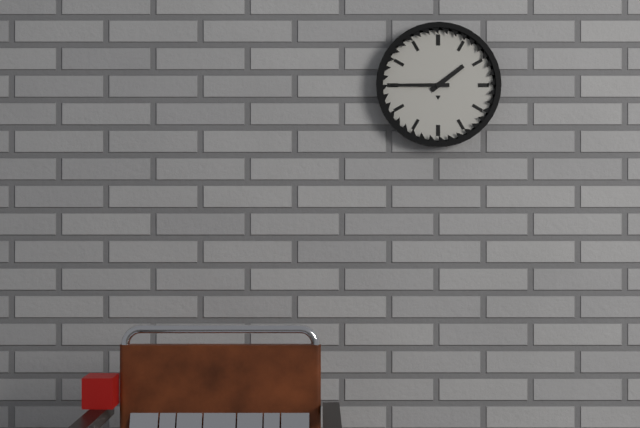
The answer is 1:45
